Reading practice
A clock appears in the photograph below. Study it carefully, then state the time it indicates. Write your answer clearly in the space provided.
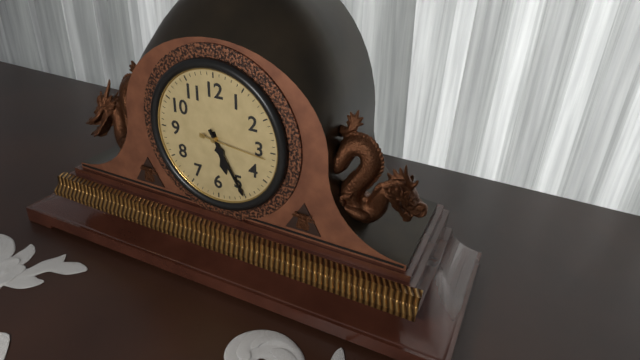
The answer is 5:25:16
